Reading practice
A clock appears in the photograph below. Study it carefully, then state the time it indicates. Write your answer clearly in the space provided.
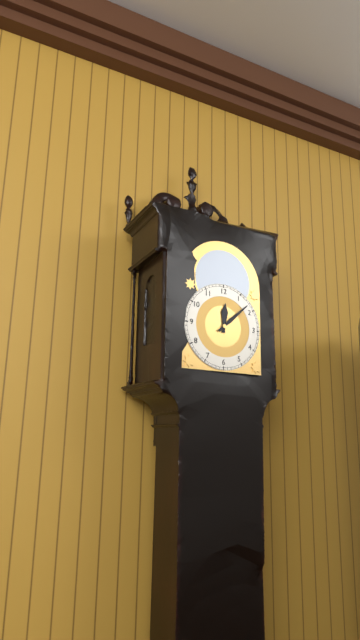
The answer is 12:08
